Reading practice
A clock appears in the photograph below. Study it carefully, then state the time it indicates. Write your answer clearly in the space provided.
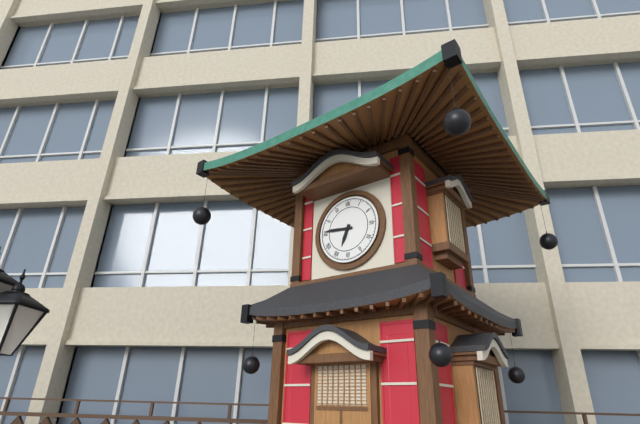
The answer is 6:46
